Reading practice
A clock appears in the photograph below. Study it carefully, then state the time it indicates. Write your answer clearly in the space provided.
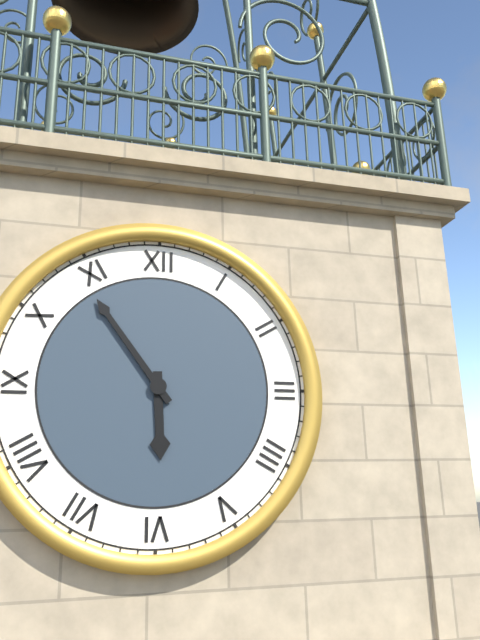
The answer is 5:54
